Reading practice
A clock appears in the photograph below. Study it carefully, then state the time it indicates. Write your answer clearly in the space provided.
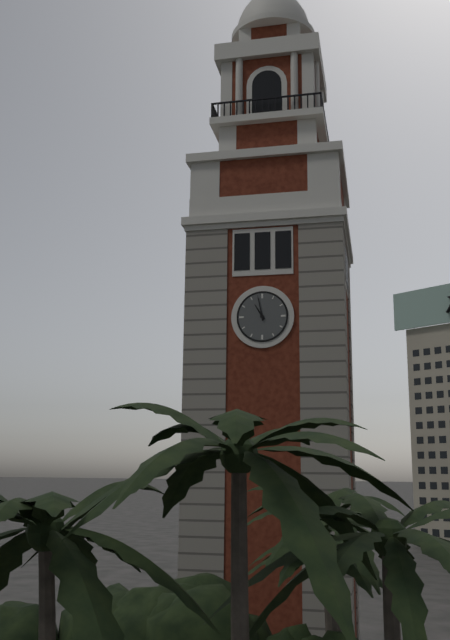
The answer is 10:58
